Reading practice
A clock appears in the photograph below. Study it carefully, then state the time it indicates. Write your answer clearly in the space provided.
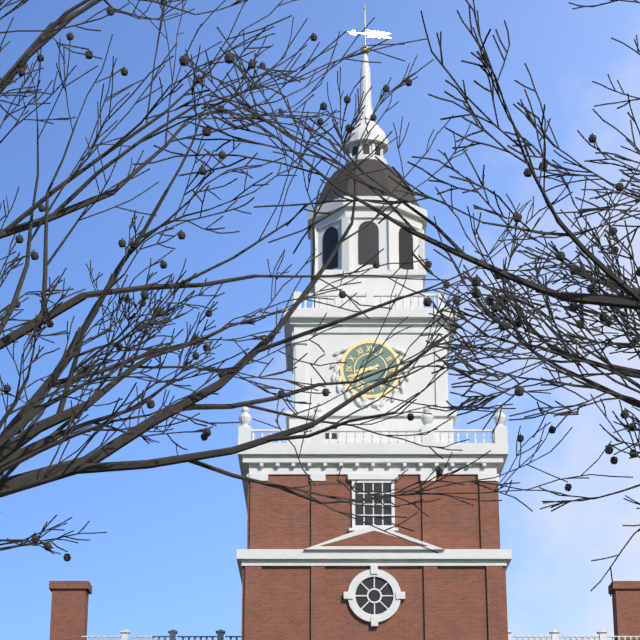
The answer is 8:41
